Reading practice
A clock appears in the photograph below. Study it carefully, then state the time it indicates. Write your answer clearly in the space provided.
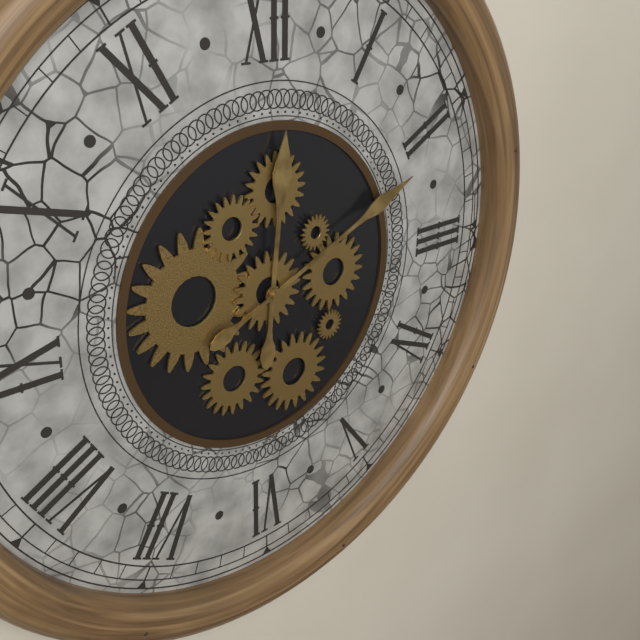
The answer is 12:11
